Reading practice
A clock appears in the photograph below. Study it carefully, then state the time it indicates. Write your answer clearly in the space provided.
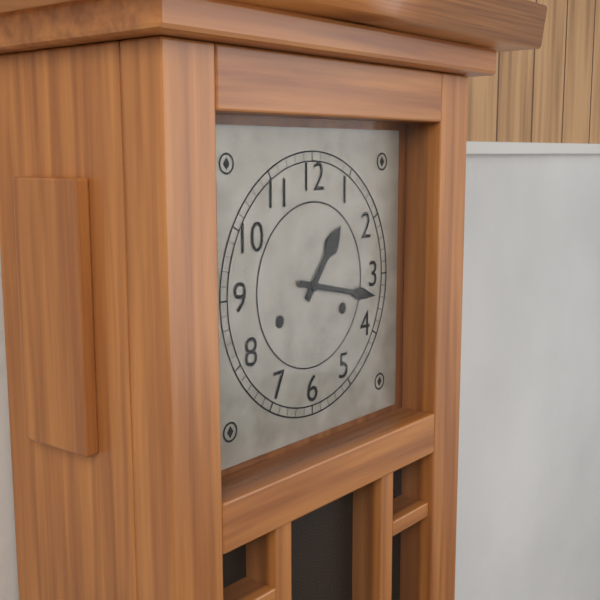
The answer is 1:17
